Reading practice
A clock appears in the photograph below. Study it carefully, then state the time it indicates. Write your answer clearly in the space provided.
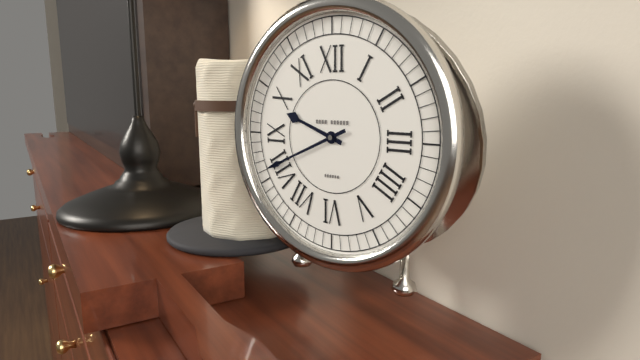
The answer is 9:41
